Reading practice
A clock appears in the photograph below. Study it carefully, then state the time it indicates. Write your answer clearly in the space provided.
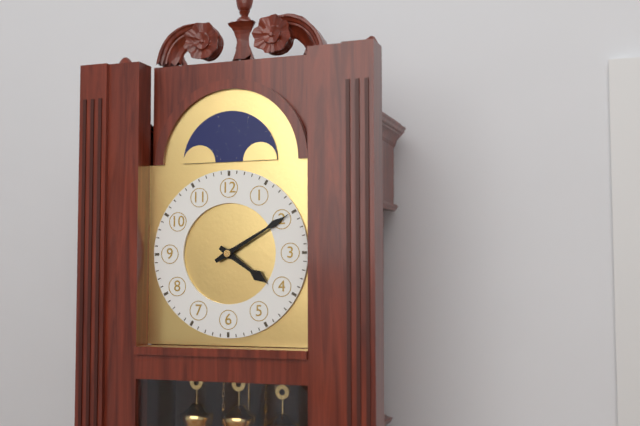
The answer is 4:10
